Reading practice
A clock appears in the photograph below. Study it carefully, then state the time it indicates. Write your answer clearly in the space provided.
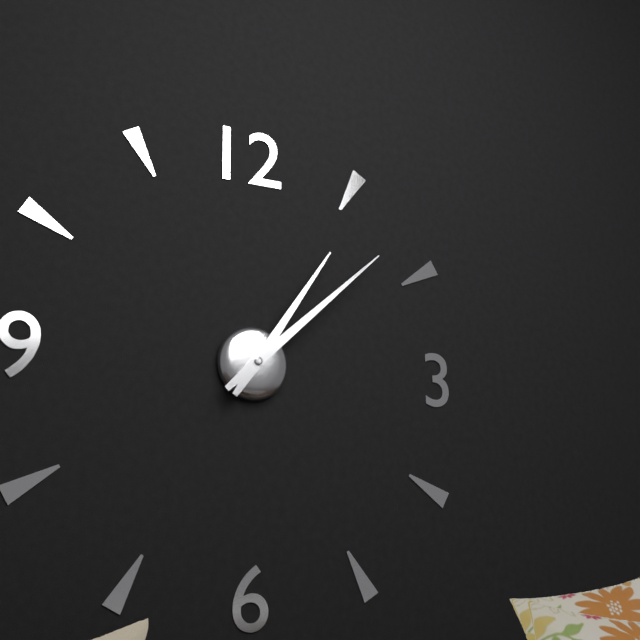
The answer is 1:08
